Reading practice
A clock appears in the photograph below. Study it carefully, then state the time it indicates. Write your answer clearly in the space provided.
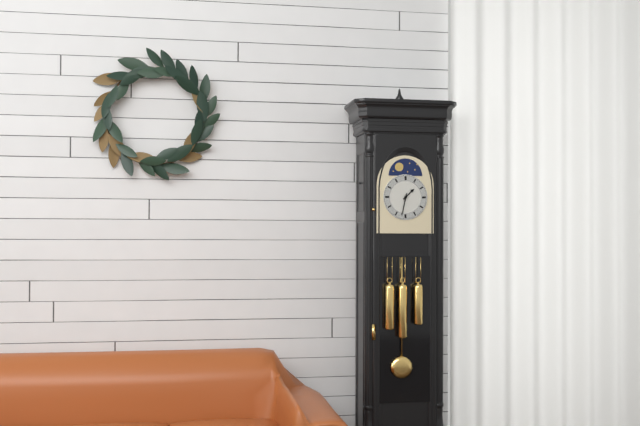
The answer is 1:32
